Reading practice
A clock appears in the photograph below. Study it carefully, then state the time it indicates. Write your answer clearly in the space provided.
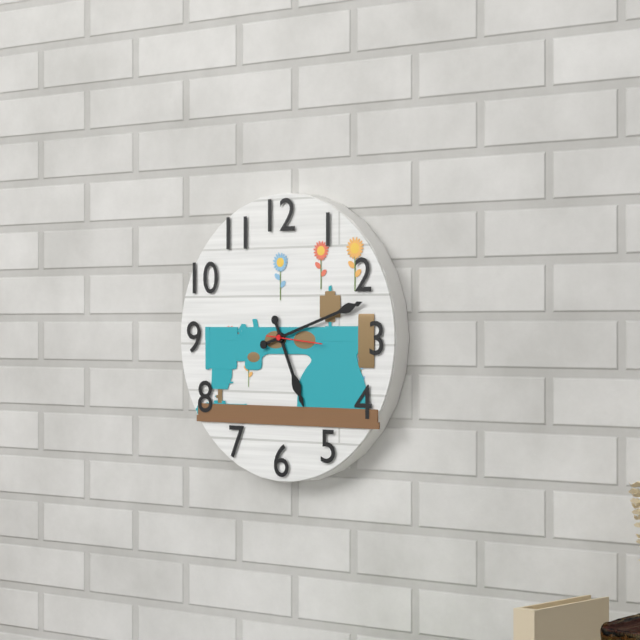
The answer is 5:12
